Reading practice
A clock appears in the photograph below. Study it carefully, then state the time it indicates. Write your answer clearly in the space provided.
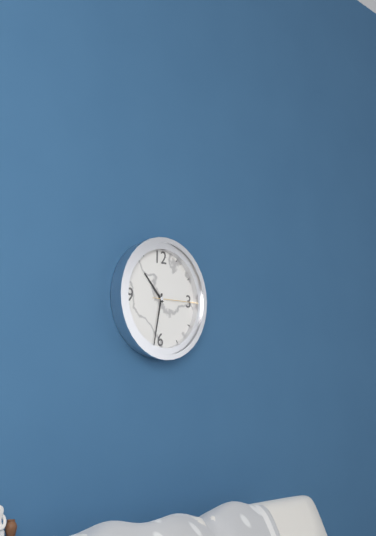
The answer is 10:32
